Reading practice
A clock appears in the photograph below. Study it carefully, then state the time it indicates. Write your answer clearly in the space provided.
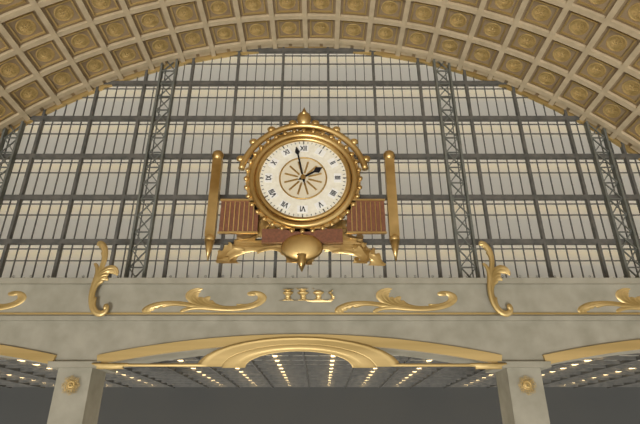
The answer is 1:58
